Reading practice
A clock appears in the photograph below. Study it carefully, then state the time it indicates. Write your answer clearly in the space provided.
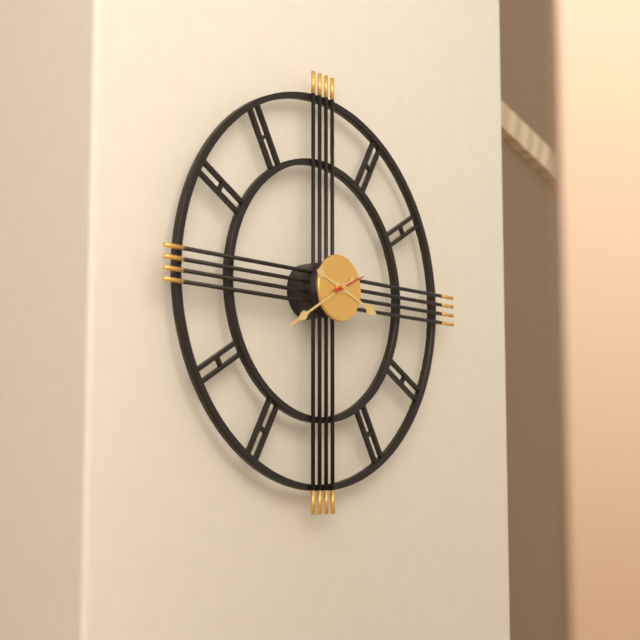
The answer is 3:40
